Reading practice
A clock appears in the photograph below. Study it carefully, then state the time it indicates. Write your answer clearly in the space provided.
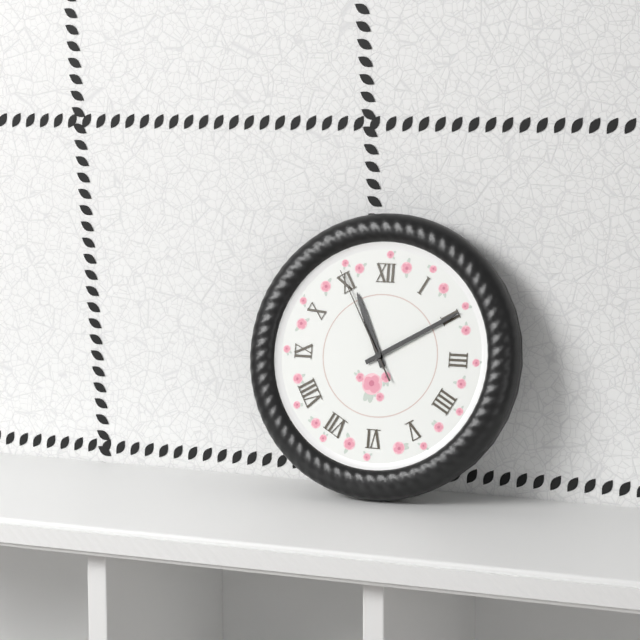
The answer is 11:10:55
